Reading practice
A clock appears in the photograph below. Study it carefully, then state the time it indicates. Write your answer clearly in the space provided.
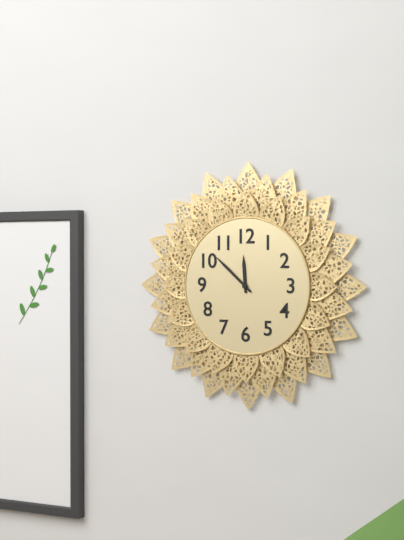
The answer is 11:52
